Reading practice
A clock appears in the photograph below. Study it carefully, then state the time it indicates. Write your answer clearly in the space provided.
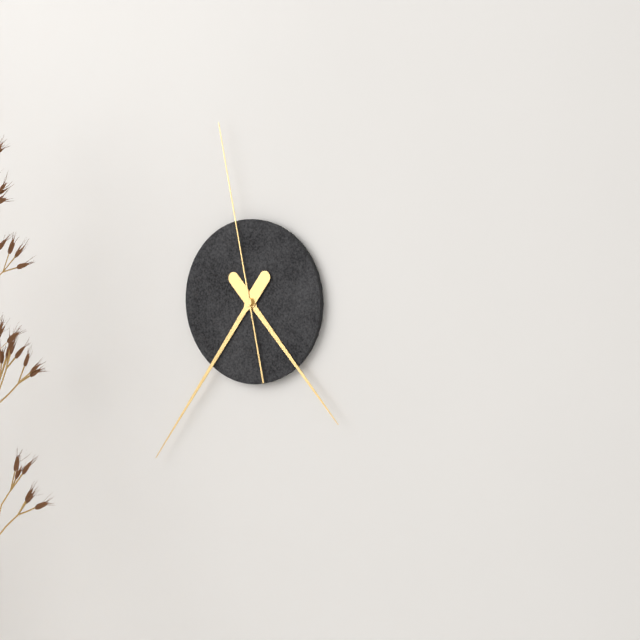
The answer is 4:36:58
